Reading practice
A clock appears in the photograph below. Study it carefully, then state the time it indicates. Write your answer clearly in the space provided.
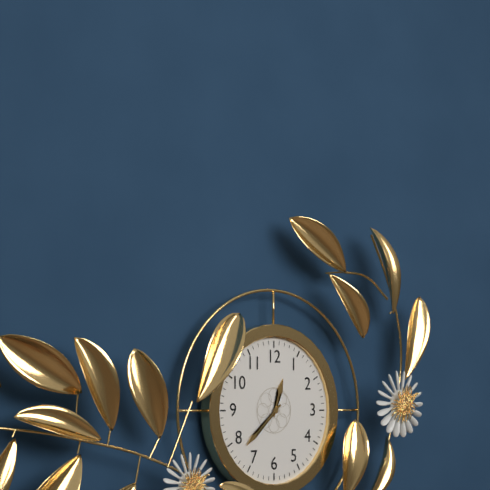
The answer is 12:38
